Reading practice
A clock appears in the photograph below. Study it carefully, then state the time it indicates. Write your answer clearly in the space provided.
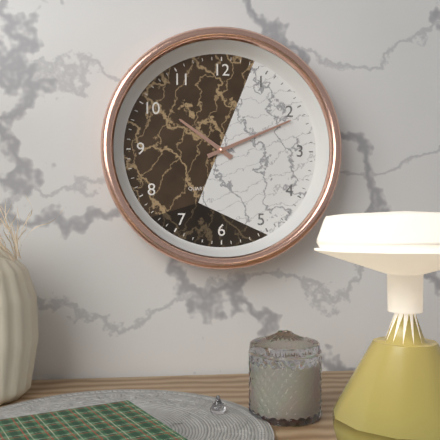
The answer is 10:11
